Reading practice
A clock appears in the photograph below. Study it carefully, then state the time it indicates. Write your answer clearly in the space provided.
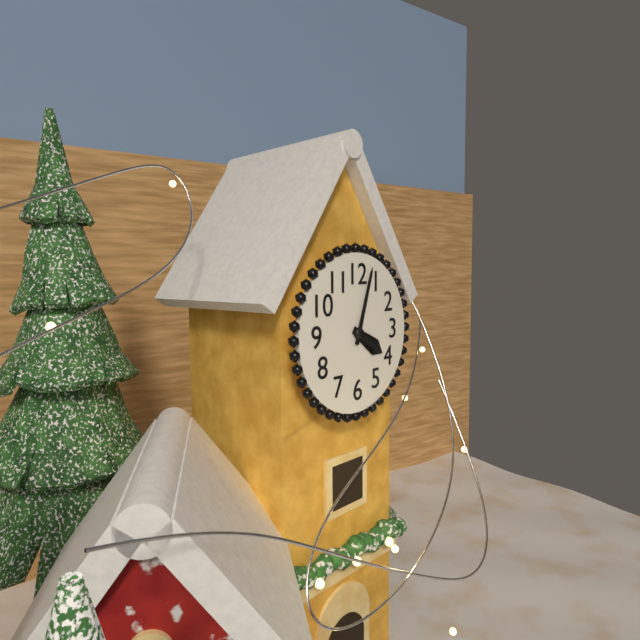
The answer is 4:03
